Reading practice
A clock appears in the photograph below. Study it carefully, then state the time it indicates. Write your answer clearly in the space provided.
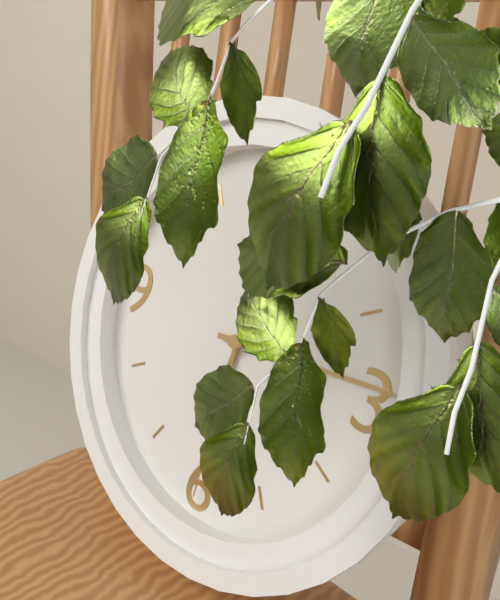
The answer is 6:14:30
